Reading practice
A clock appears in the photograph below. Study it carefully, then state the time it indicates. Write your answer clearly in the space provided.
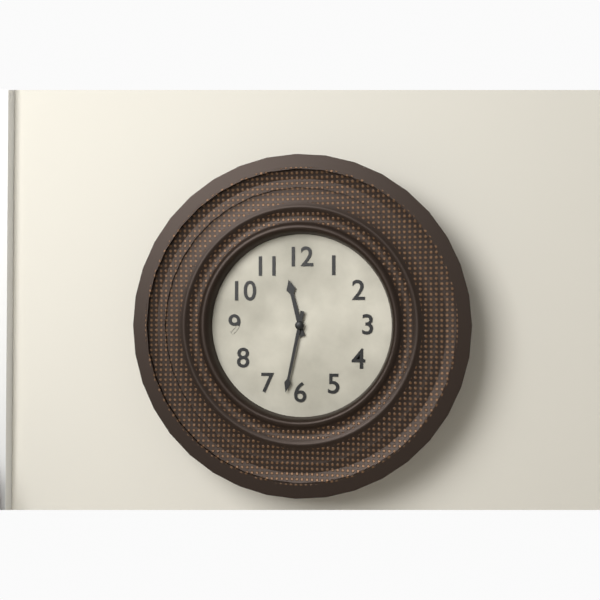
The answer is 11:32
